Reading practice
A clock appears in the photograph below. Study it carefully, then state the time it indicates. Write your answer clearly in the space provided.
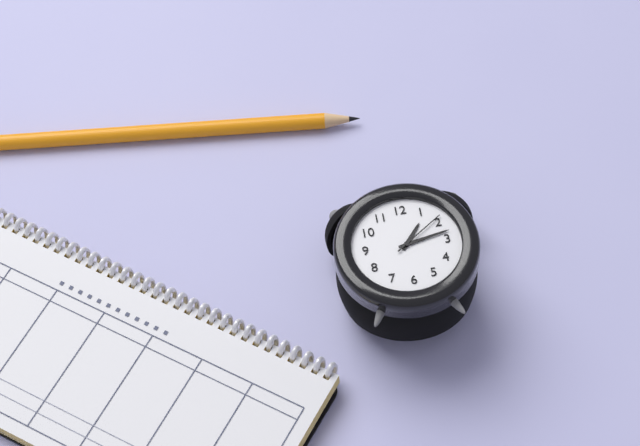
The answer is 1:13:09
